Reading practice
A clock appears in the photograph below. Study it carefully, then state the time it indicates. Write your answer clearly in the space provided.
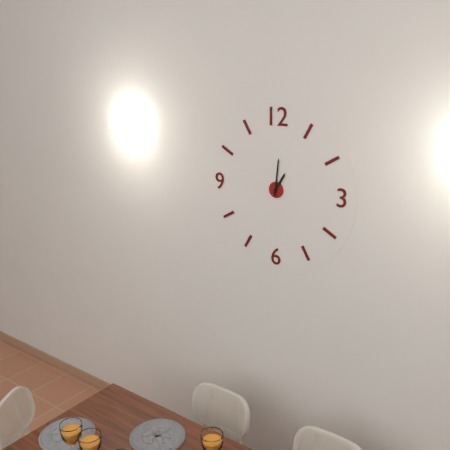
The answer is 1:01
